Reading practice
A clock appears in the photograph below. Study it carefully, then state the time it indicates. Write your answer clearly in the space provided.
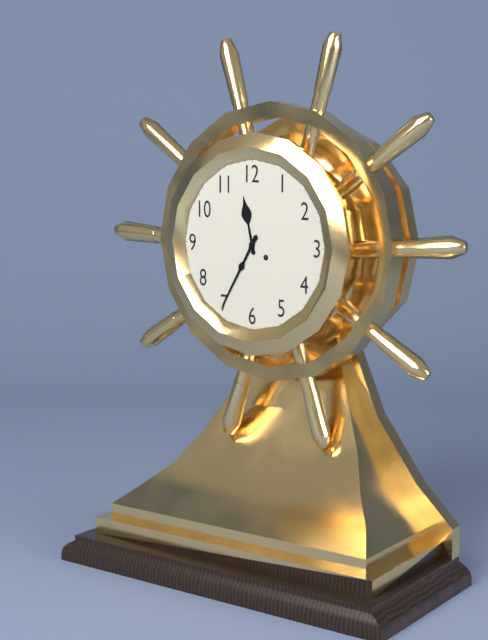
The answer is 11:35
